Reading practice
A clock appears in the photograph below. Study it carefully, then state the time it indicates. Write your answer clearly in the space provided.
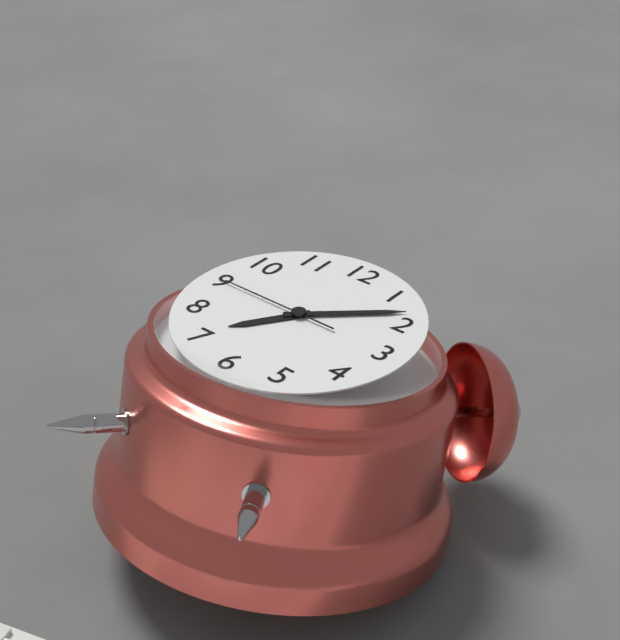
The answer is 7:08:45
